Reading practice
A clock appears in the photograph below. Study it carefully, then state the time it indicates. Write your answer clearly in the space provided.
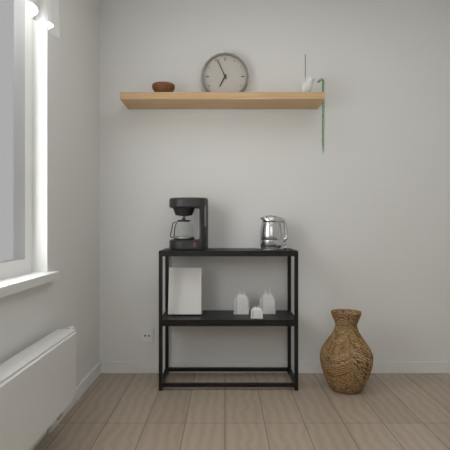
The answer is 6:56
